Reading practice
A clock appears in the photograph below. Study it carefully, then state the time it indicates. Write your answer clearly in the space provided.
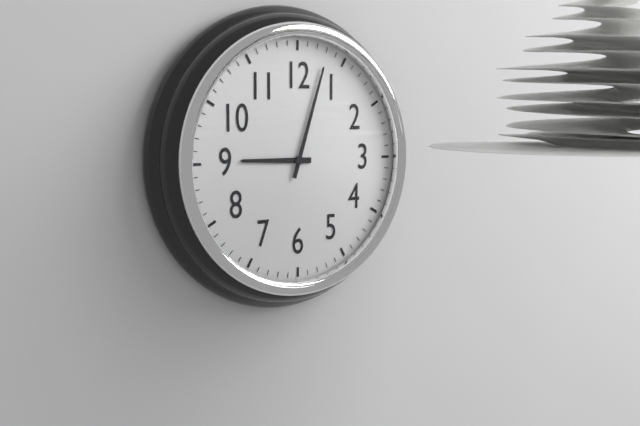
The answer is 9:03
